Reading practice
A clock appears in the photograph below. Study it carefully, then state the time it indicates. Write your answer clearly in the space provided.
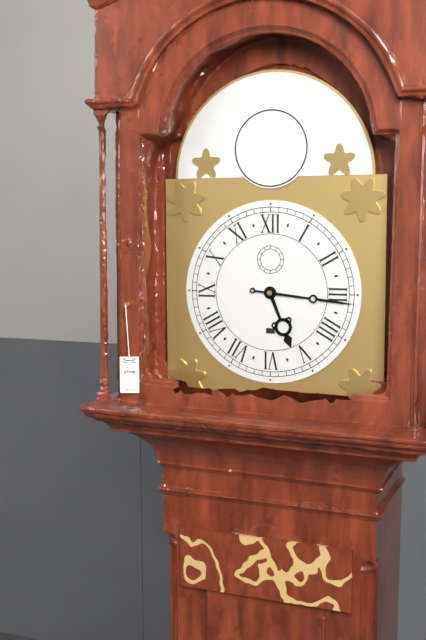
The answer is 5:16
